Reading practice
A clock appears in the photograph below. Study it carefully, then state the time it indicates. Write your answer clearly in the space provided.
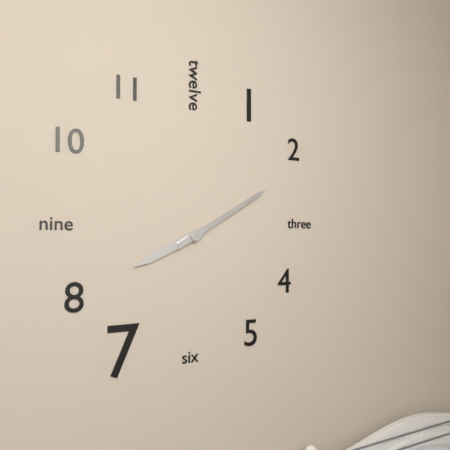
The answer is 8:10
